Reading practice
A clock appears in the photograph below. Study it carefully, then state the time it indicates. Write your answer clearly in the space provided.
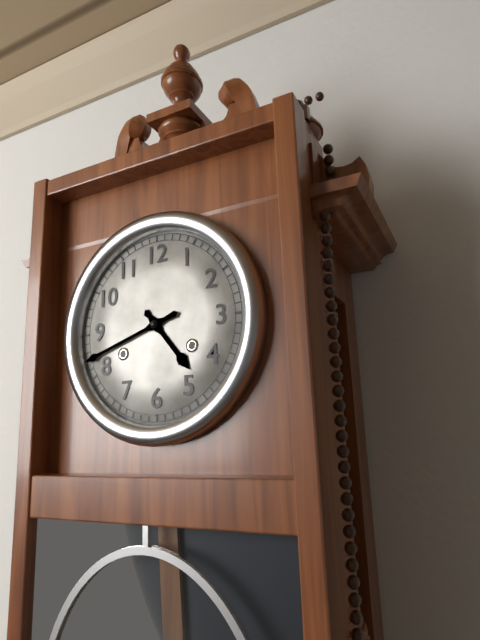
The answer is 4:42
